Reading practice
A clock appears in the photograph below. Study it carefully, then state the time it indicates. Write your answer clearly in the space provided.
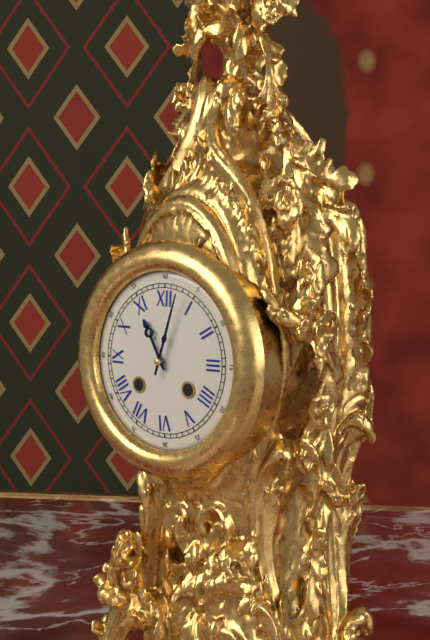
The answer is 11:03
